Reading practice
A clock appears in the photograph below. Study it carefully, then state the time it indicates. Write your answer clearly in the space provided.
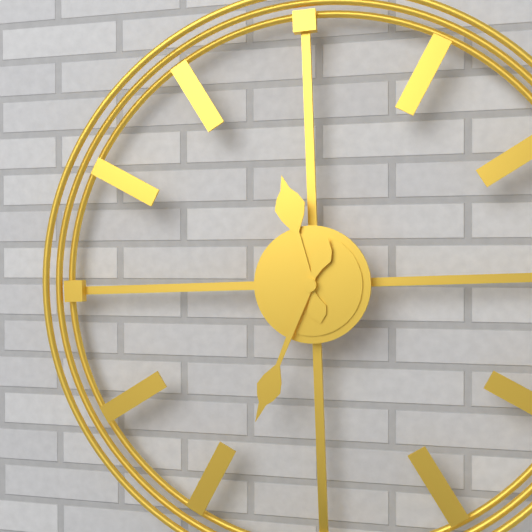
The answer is 11:34
